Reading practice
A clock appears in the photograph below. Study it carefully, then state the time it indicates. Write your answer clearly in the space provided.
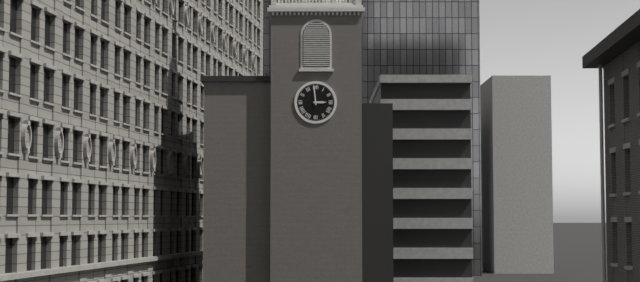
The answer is 2:59
